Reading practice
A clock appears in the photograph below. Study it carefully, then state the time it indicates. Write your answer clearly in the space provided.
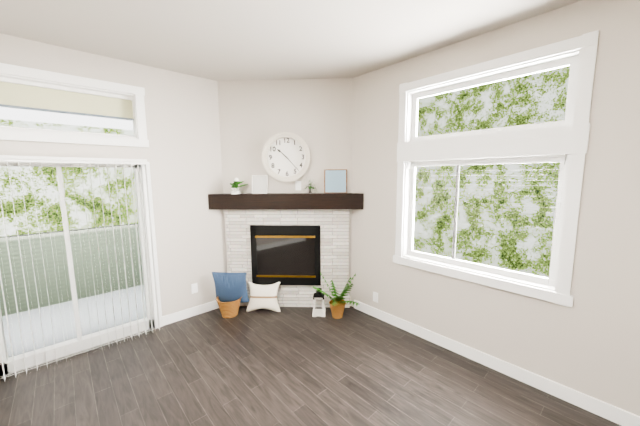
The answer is 10:23
